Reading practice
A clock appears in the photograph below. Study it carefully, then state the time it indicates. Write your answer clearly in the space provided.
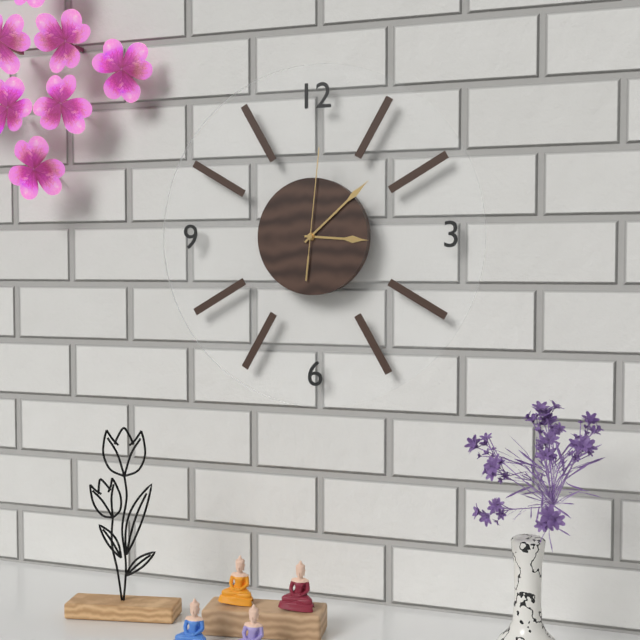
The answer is 3:08:01
